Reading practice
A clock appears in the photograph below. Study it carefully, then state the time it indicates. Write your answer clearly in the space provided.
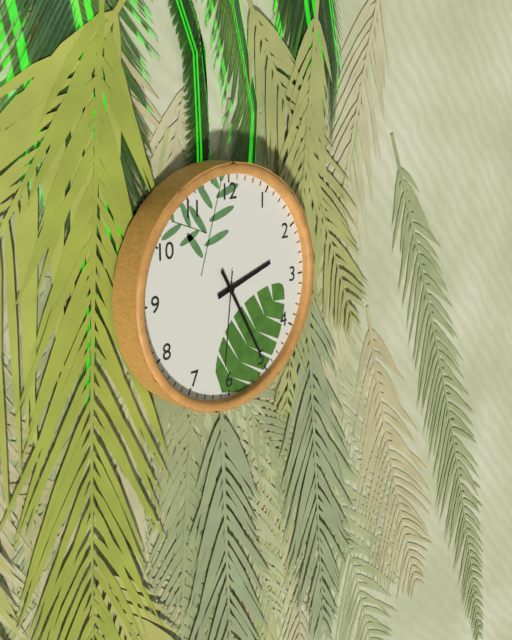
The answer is 2:25:31
